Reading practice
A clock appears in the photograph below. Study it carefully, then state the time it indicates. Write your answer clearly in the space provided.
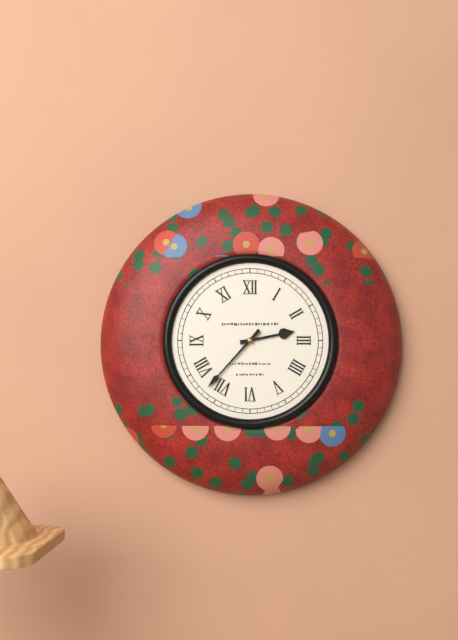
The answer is 2:37
